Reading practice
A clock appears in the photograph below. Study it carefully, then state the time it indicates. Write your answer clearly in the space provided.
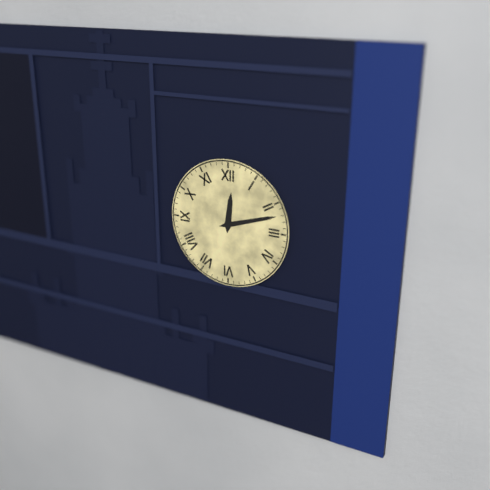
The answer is 12:12
